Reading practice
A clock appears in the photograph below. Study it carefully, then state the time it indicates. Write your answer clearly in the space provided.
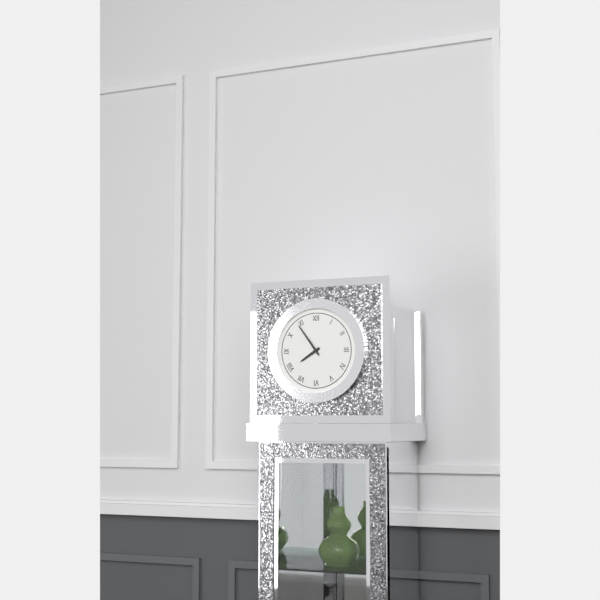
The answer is 7:54
